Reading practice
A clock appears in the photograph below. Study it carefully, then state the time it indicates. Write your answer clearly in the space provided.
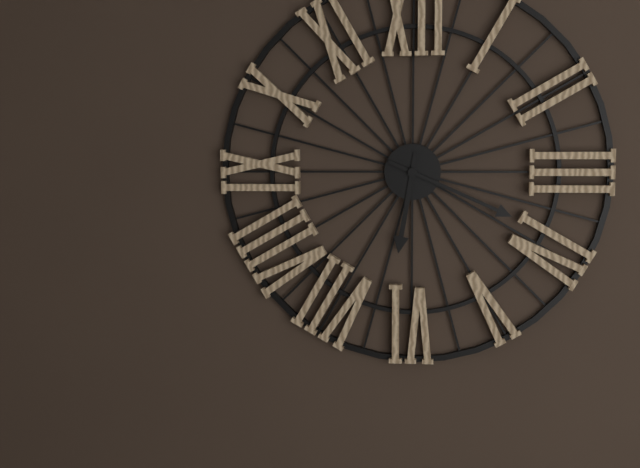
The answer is 6:19
